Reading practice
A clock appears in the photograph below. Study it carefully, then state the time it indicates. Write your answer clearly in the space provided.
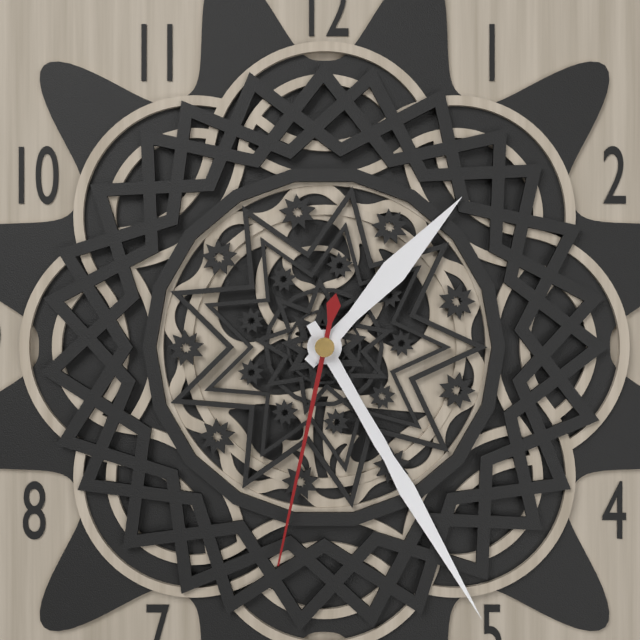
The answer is 1:25:32
